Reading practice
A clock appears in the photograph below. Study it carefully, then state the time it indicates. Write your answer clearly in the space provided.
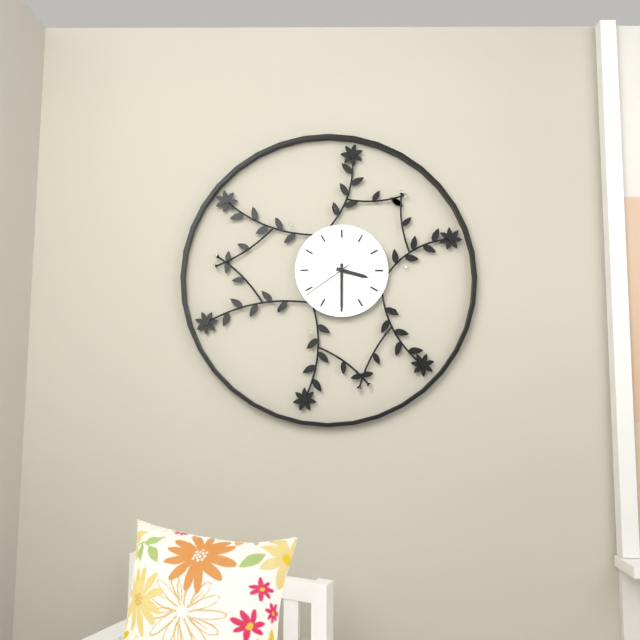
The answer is 3:30:39
